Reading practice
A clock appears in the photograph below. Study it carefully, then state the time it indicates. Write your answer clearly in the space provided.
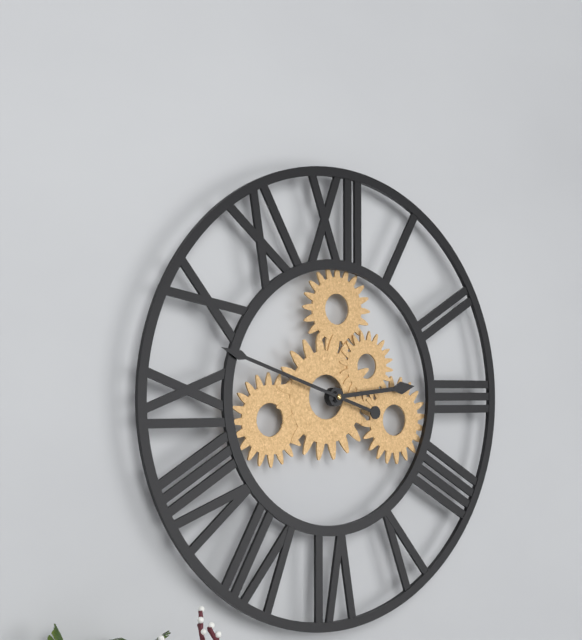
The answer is 2:48
